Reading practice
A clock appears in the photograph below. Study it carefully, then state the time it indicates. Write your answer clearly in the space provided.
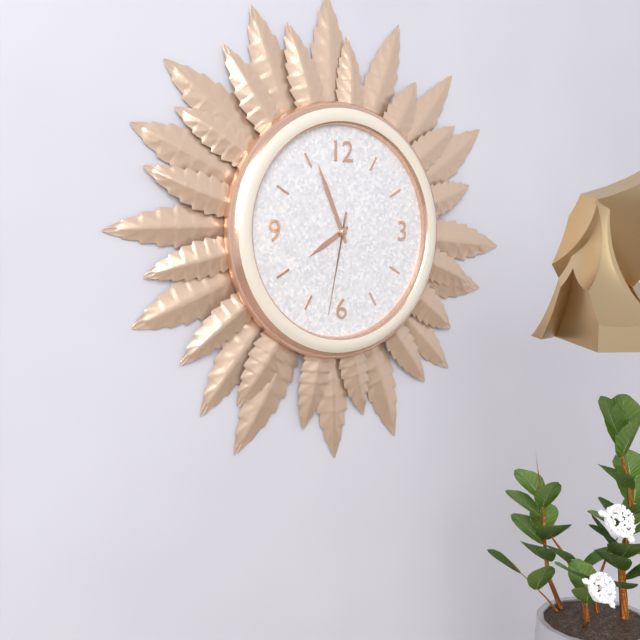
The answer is 7:56:32
